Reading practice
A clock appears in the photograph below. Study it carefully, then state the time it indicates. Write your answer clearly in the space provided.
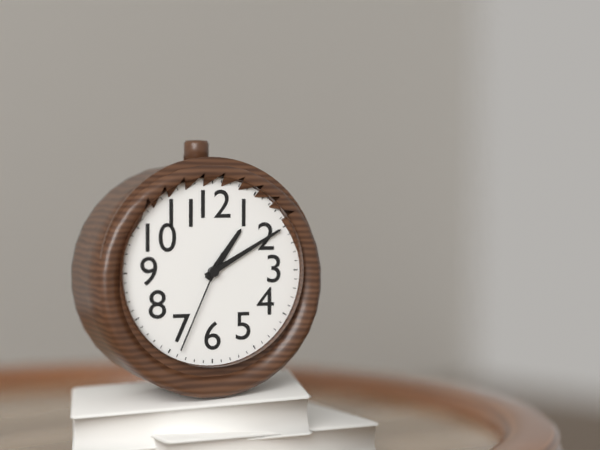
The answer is 1:10:34
